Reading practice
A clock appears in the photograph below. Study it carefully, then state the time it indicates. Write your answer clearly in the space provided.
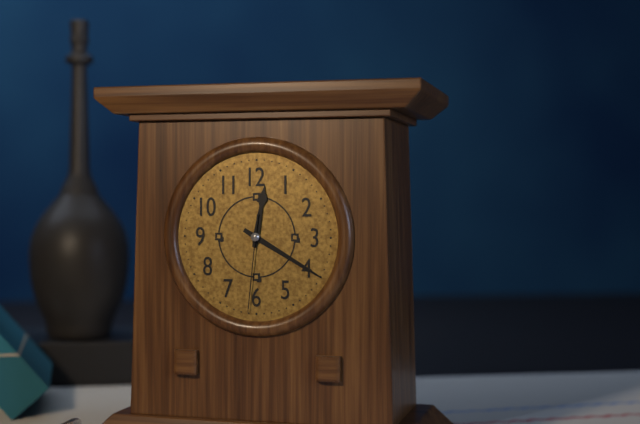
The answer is 12:20:31
